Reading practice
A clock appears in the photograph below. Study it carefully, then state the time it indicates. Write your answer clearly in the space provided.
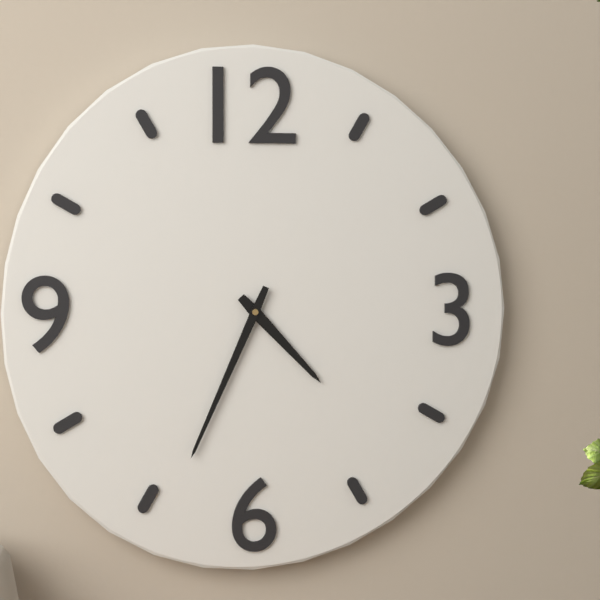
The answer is 4:34
